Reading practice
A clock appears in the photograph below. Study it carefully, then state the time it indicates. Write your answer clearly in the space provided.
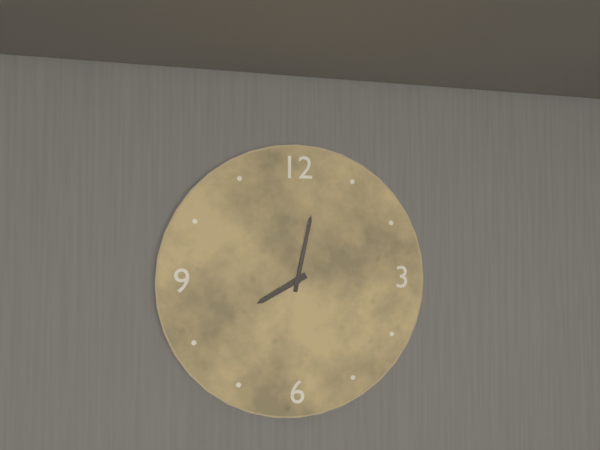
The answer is 8:02
